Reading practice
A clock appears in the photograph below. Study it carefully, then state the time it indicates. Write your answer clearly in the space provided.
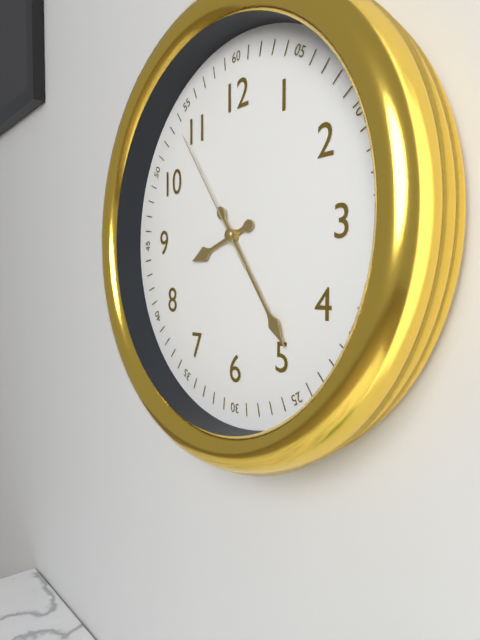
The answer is 8:24:54
